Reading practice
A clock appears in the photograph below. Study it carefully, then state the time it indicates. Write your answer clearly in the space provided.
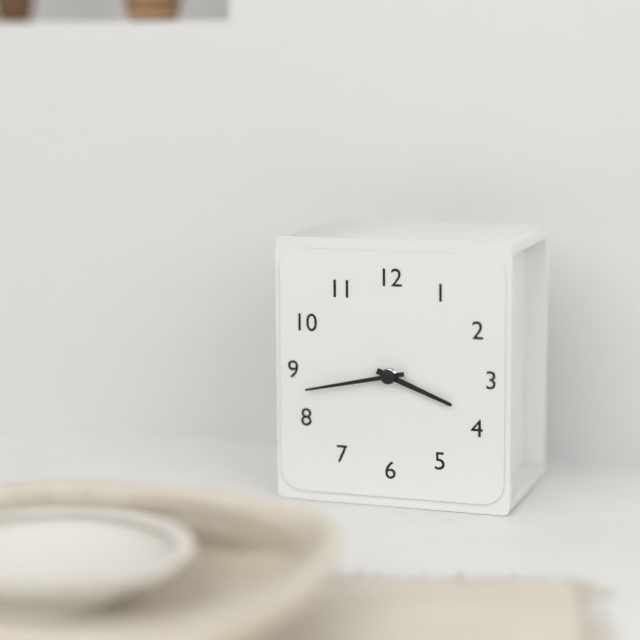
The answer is 3:43
